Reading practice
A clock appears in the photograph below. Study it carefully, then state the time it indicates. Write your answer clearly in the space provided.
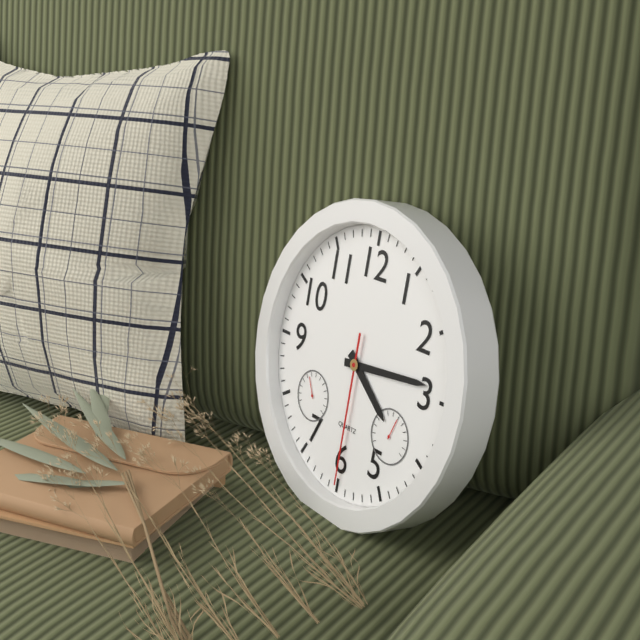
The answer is 4:14:30
